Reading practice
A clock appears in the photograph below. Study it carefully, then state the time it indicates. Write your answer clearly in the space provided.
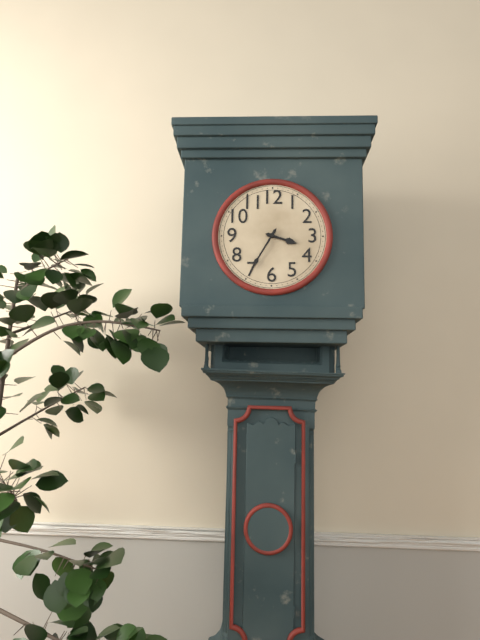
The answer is 3:35
